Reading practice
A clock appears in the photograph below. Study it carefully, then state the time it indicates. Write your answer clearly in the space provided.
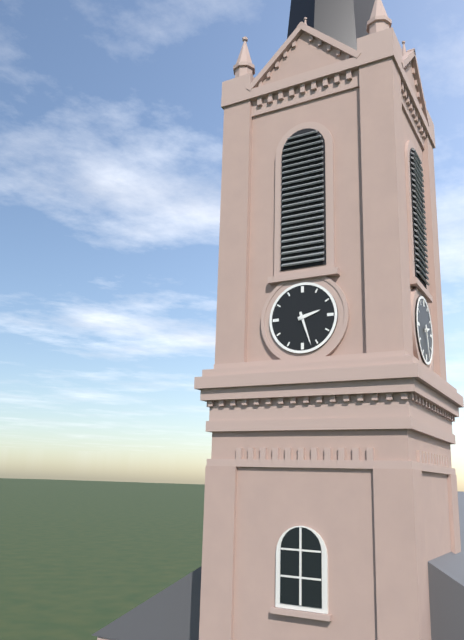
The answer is 2:27
